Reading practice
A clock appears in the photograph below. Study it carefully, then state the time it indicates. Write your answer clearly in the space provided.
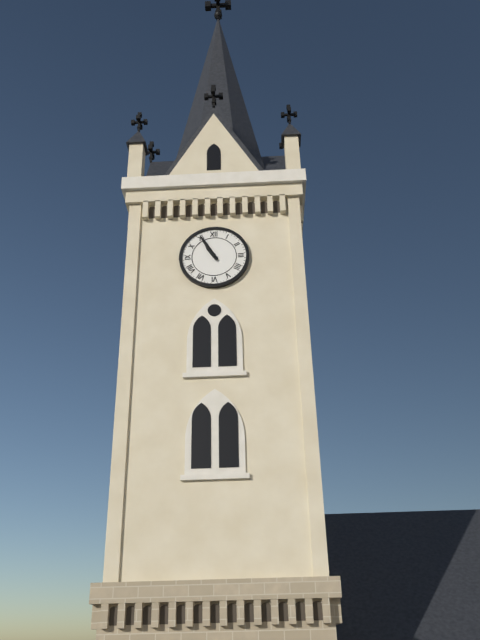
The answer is 10:55
